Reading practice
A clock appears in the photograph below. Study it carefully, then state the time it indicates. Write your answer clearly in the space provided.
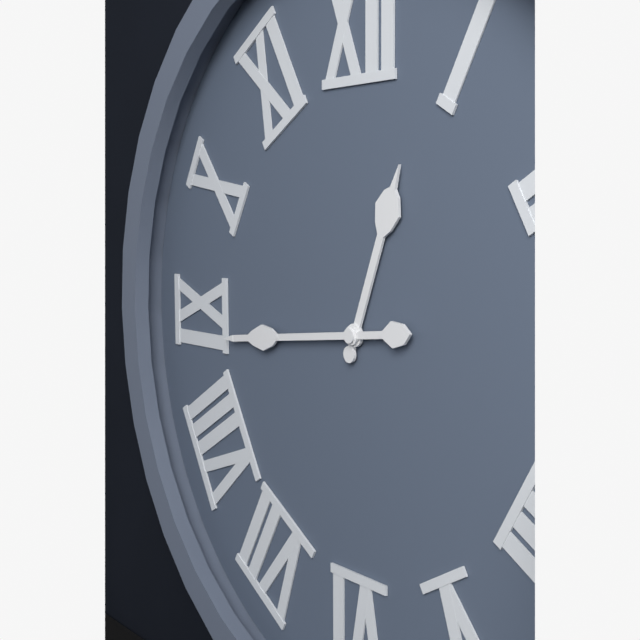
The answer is 12:44
